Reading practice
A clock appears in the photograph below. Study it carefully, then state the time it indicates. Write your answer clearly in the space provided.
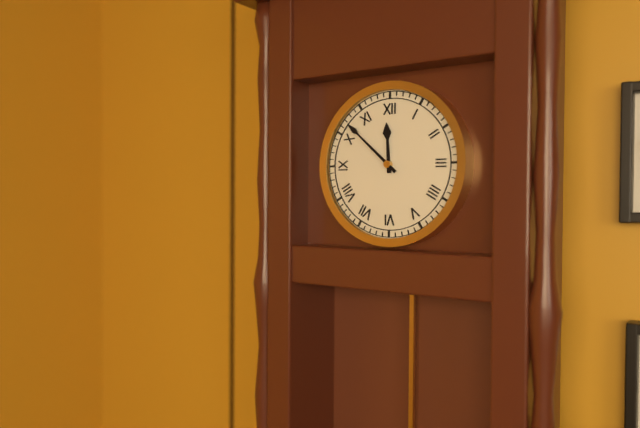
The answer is 11:52
